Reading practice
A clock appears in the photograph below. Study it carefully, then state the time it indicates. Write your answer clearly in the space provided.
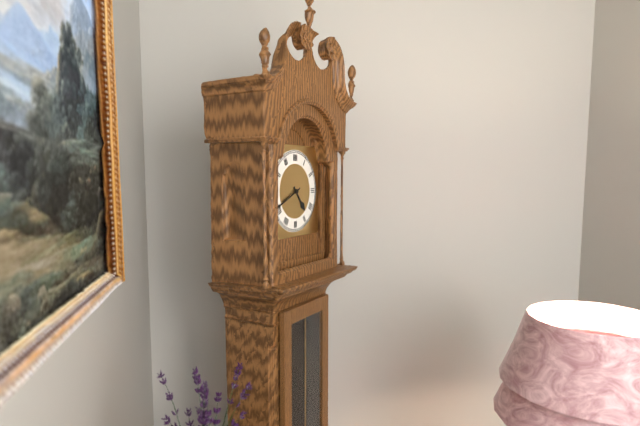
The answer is 4:41
